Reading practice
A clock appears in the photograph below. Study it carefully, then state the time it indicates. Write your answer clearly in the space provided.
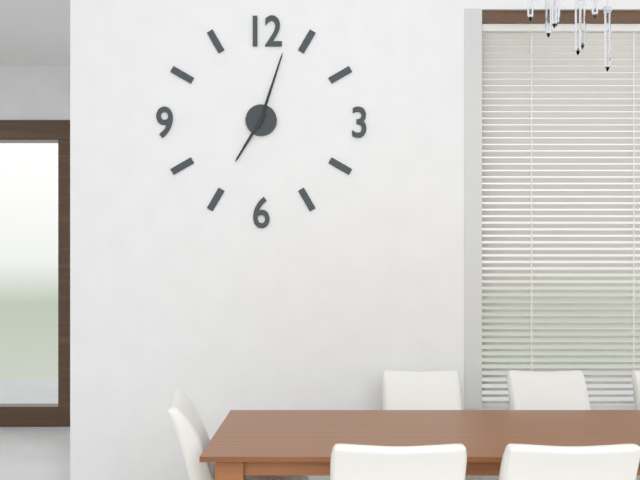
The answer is 7:03
